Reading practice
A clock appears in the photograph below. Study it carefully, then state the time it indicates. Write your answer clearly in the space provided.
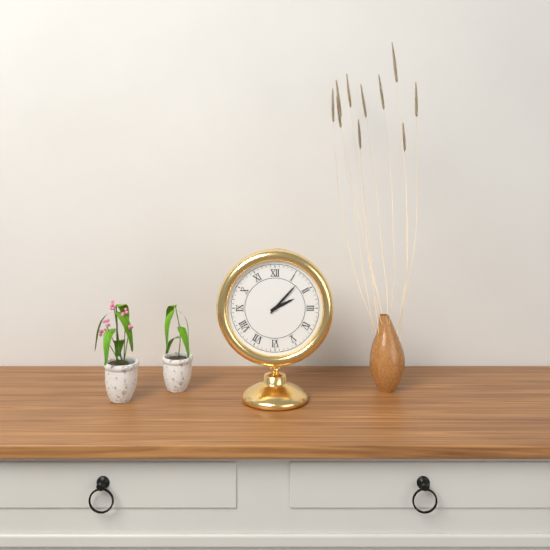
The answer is 2:07
